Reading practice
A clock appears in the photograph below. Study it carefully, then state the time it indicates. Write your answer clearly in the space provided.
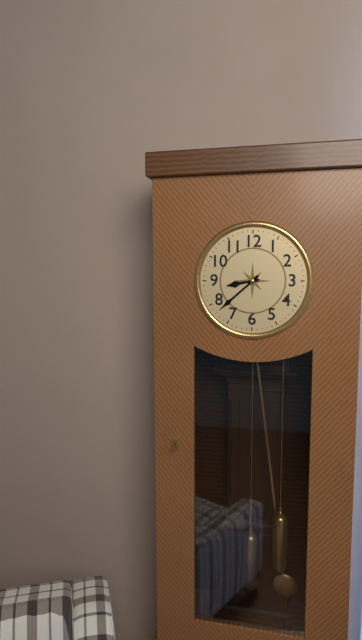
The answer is 8:38
